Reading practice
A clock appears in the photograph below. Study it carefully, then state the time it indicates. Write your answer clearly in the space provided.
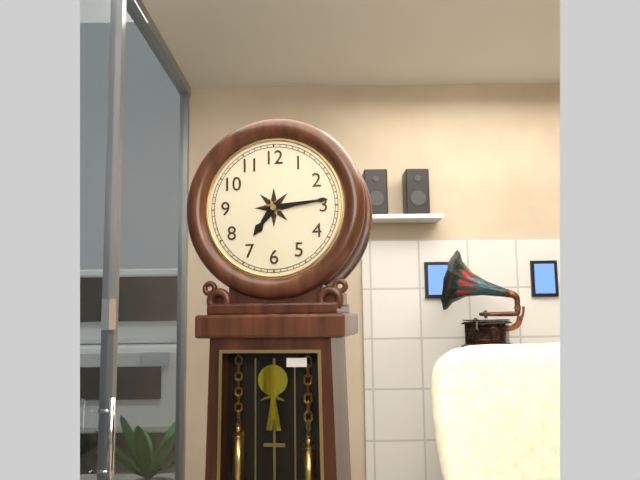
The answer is 7:14
